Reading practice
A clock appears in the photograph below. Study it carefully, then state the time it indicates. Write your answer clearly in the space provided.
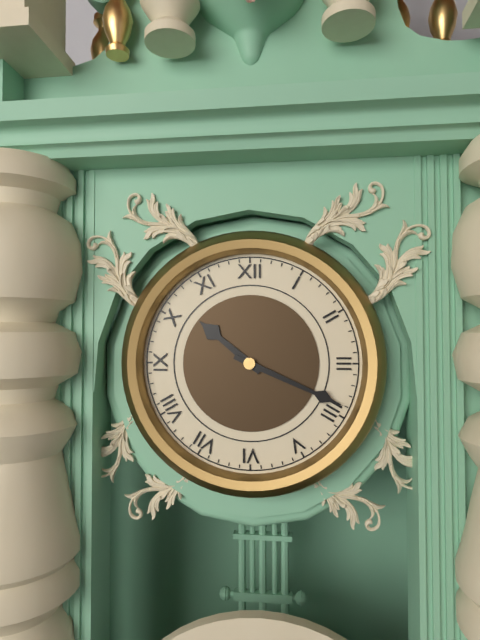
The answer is 10:19
